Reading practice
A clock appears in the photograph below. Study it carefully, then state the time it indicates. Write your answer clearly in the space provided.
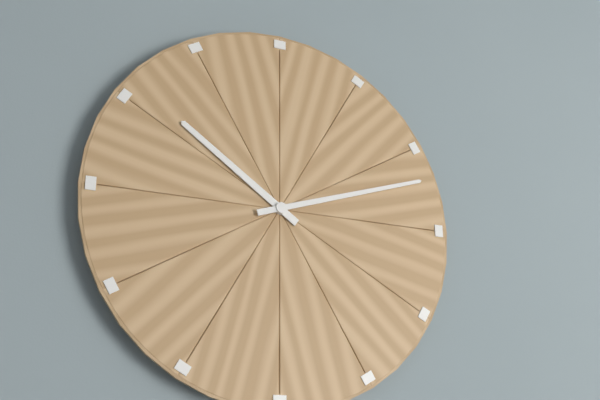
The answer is 10:12
